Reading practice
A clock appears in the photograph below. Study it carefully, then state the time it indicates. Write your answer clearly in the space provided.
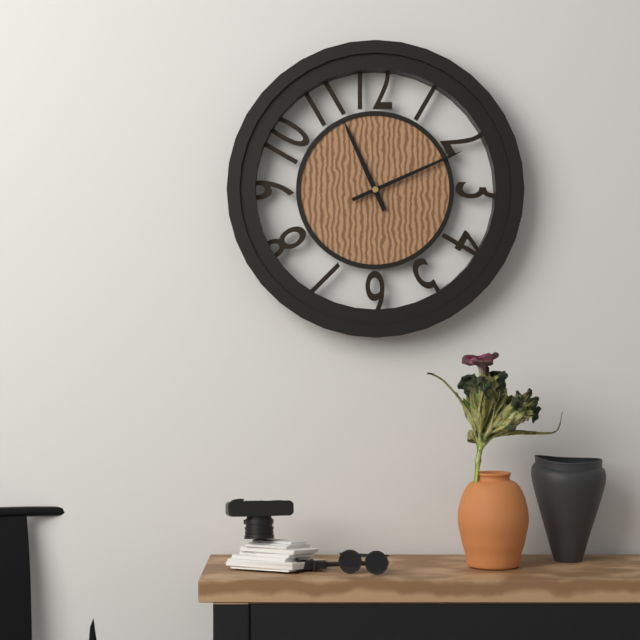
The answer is 11:11
